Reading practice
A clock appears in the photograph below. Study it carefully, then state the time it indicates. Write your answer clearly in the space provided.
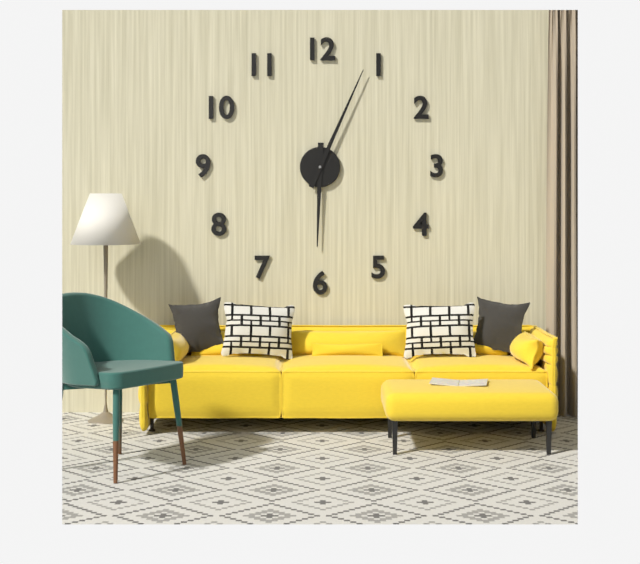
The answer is 6:04
